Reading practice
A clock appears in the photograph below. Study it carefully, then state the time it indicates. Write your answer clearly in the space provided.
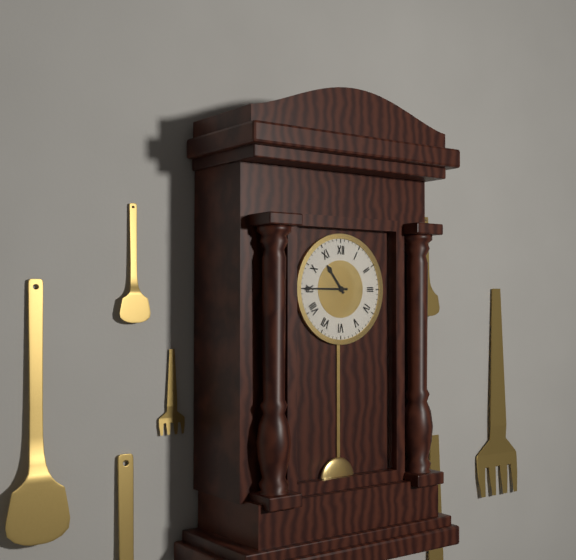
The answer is 10:45
